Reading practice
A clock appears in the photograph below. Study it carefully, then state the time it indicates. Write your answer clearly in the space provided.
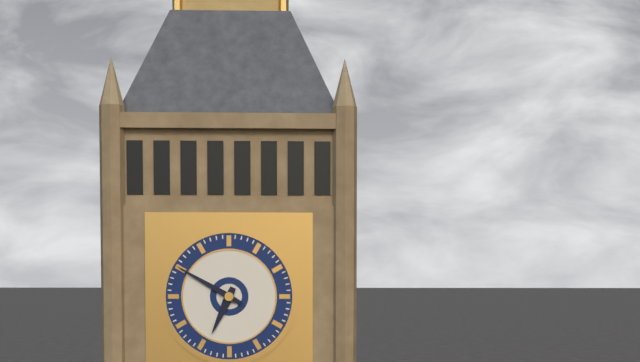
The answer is 6:50
